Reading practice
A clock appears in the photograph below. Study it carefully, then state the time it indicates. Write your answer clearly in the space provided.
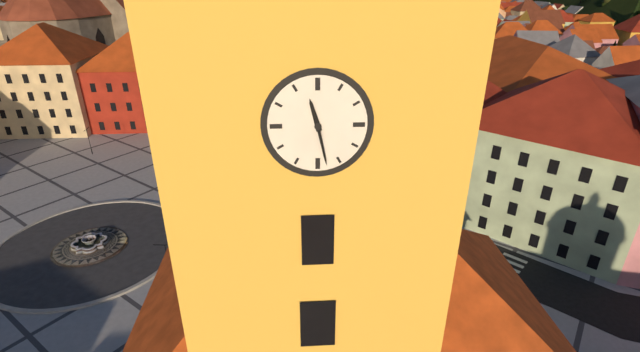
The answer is 11:28
